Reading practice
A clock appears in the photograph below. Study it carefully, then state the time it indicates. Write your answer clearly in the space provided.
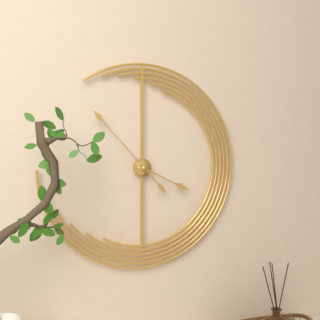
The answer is 3:53
